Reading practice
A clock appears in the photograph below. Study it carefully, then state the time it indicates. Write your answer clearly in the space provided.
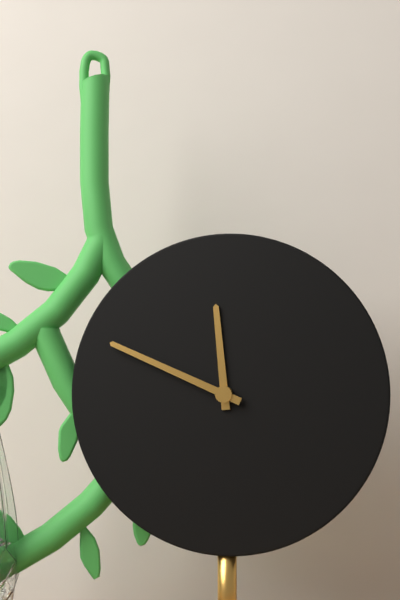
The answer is 11:49
